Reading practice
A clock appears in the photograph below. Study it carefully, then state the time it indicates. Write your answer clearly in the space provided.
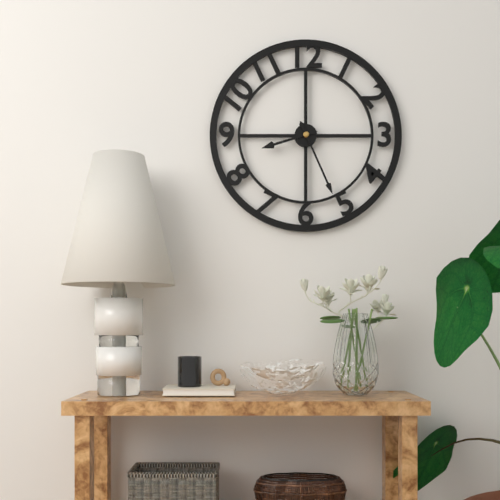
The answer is 8:26
